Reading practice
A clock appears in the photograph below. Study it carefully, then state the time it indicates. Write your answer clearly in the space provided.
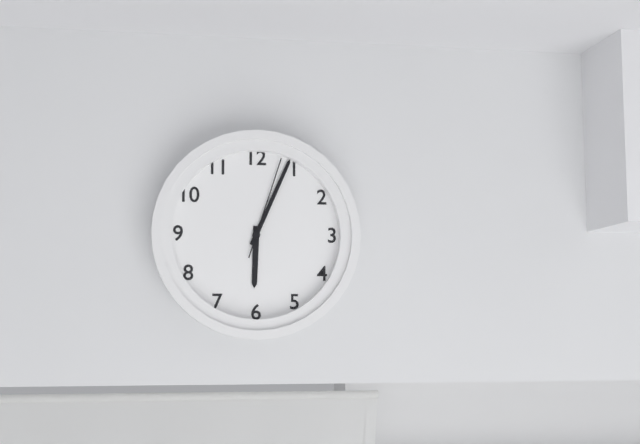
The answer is 6:04:03
